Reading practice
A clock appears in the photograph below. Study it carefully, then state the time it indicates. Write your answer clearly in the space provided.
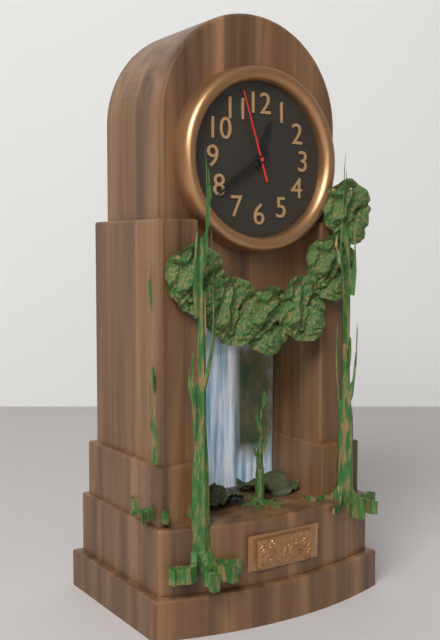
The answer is 12:39:57
